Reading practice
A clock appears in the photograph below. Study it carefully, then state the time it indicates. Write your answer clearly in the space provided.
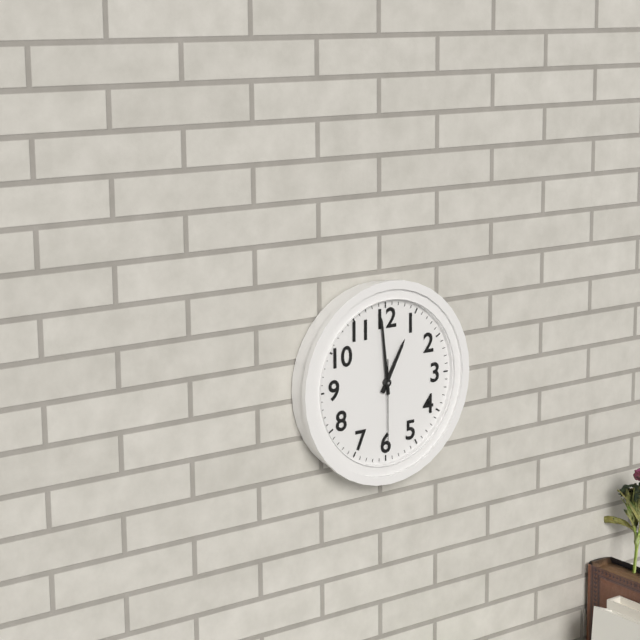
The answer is 12:59:30
